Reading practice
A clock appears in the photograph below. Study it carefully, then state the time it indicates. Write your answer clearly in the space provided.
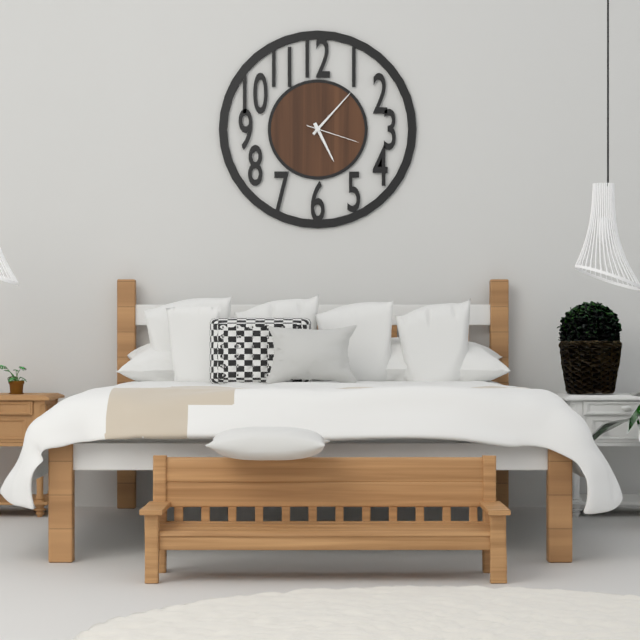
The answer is 5:07:18
